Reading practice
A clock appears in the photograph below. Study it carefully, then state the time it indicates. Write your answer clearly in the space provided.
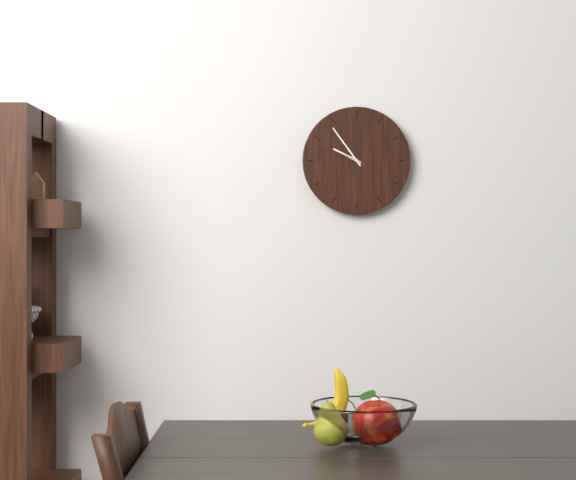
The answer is 9:54:49
